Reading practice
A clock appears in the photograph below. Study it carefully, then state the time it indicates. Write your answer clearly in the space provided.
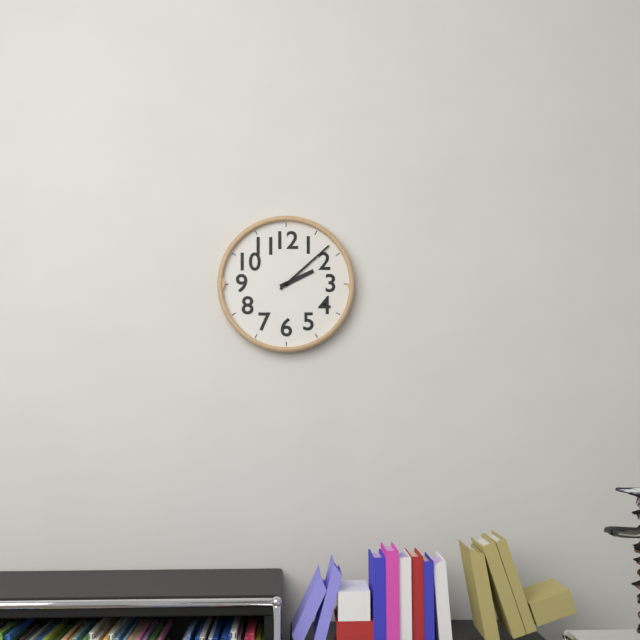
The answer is 2:08
